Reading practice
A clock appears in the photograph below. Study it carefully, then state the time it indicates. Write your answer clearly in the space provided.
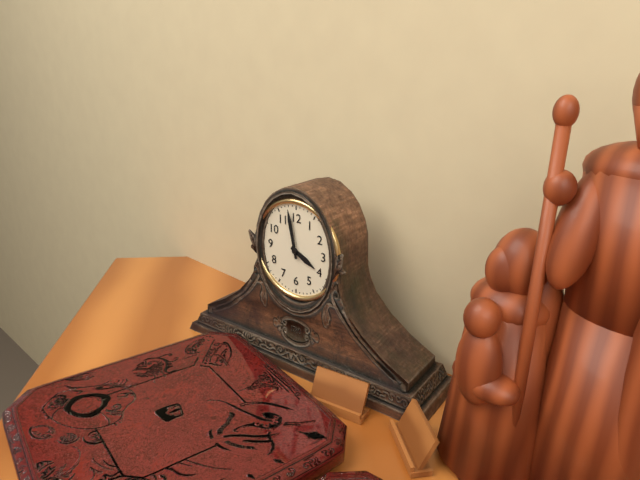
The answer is 3:58
